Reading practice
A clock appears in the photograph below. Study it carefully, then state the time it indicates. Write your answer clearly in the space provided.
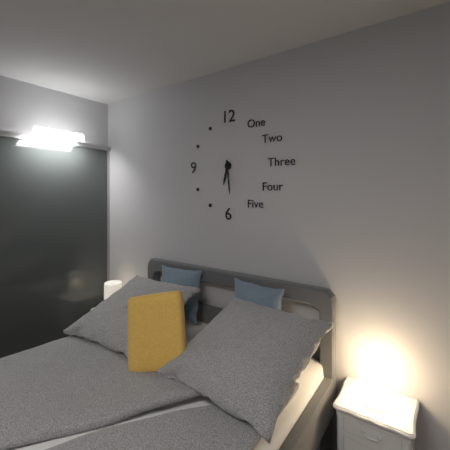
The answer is 6:29
